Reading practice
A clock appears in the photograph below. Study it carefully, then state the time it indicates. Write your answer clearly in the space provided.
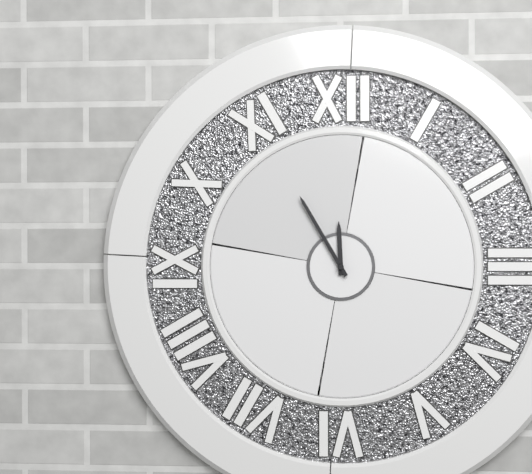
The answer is 11:55
